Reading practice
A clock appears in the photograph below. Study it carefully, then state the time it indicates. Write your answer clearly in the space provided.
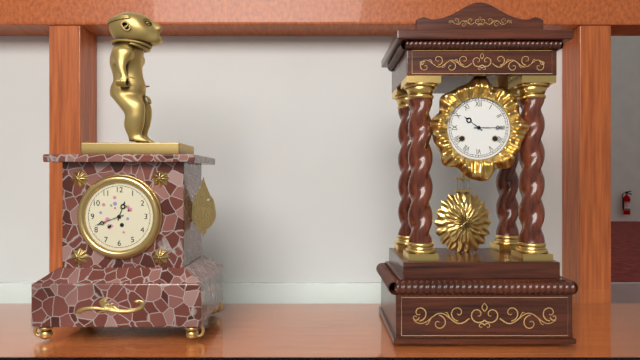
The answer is 10:15
